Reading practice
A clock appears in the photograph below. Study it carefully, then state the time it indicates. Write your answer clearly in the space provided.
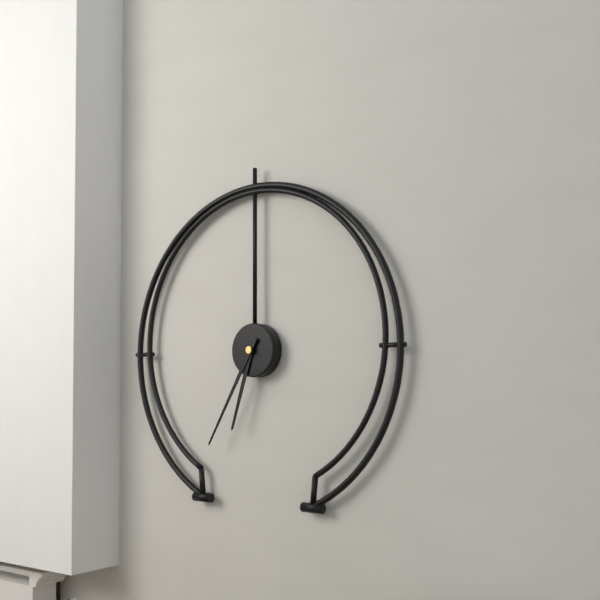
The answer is 6:35
